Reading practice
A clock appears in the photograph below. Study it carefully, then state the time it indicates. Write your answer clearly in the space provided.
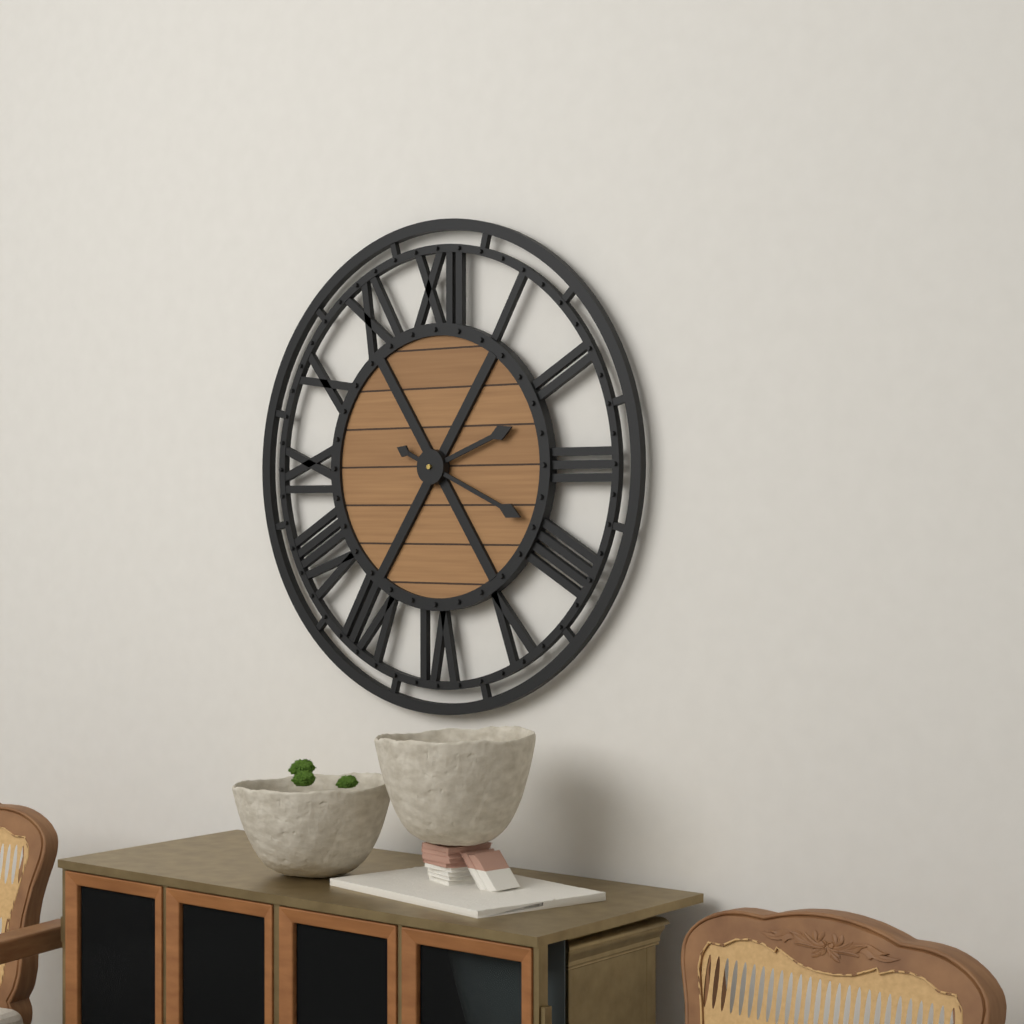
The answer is 2:19
